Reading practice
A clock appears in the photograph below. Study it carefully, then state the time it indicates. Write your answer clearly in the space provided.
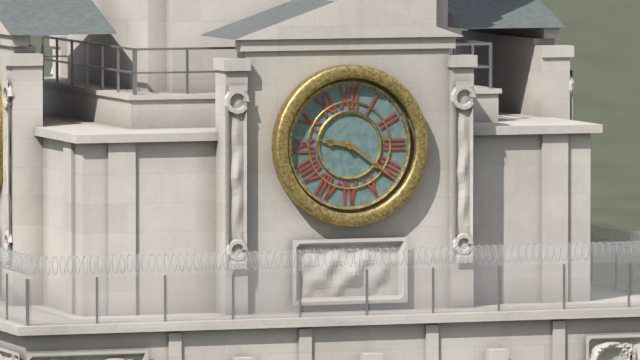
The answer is 9:21
